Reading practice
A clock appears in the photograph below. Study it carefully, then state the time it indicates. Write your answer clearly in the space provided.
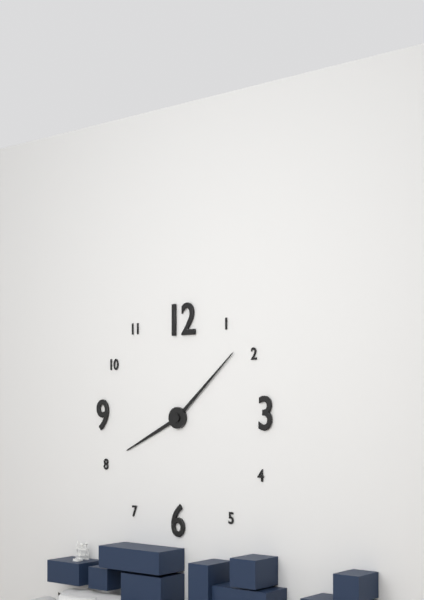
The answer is 8:08
